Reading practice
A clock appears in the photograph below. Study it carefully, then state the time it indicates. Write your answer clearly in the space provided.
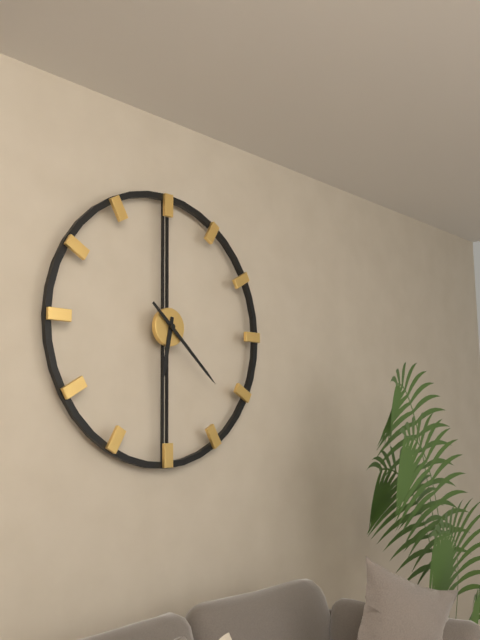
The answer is 6:22
